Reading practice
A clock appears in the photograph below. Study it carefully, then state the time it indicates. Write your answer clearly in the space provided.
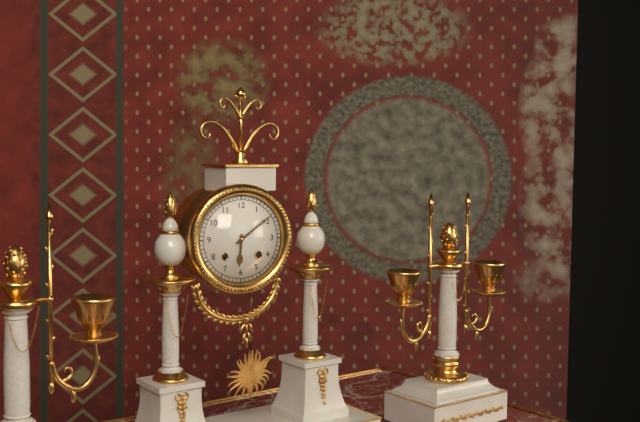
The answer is 6:09
